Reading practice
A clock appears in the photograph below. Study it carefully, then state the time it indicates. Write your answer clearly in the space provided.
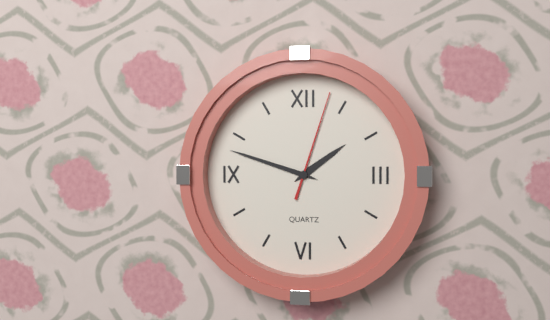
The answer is 1:48:03
